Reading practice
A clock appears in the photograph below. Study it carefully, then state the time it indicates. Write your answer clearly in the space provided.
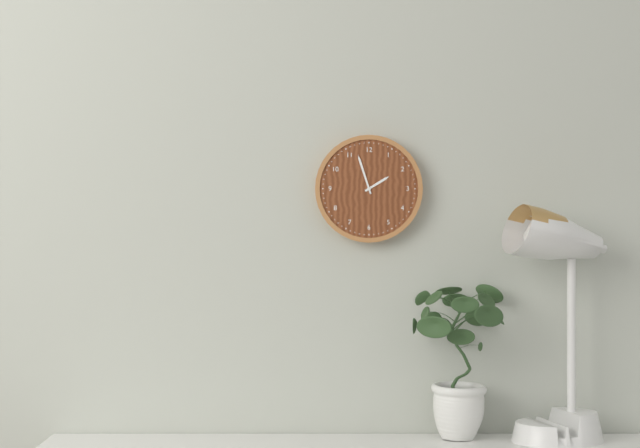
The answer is 1:57
